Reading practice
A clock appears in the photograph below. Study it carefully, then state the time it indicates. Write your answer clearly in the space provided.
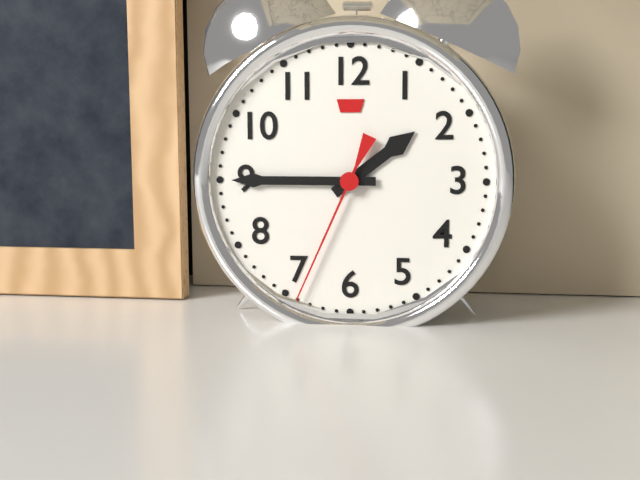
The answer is 1:45:34
